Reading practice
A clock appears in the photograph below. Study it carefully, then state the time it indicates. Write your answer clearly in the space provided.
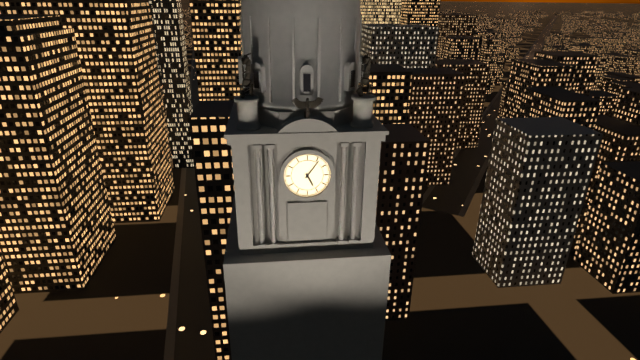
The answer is 5:06
